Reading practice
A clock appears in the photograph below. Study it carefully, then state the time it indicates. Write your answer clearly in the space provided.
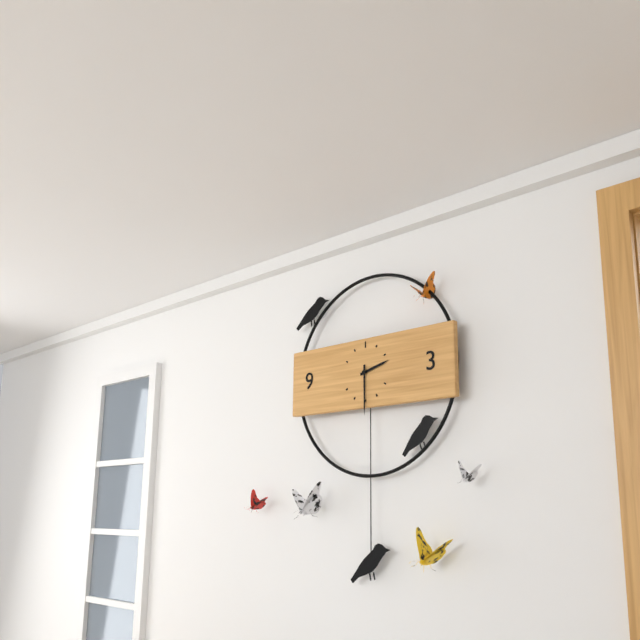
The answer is 2:30
